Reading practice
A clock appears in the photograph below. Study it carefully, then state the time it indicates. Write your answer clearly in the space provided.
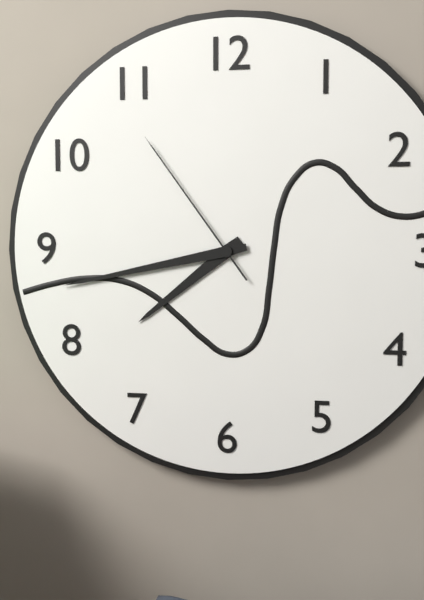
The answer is 7:43:54
